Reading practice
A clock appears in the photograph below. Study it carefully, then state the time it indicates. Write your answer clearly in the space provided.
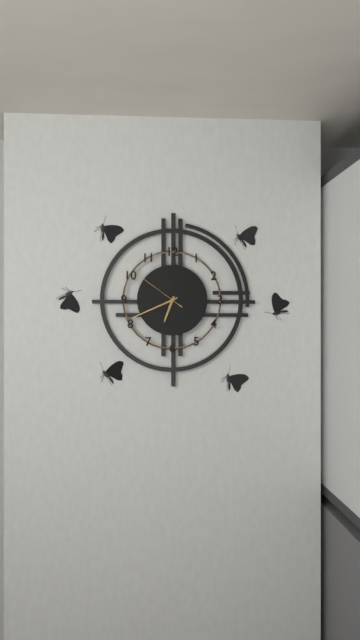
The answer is 6:41:51
